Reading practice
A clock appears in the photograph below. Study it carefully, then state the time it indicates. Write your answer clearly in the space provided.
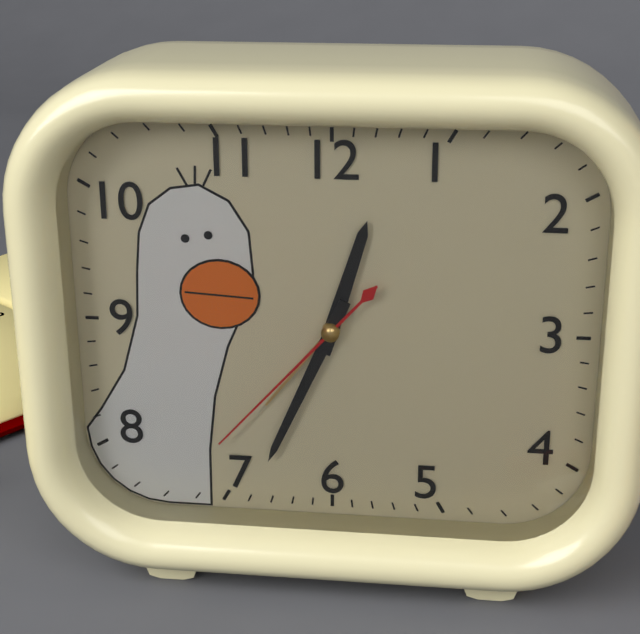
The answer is 12:34:37
